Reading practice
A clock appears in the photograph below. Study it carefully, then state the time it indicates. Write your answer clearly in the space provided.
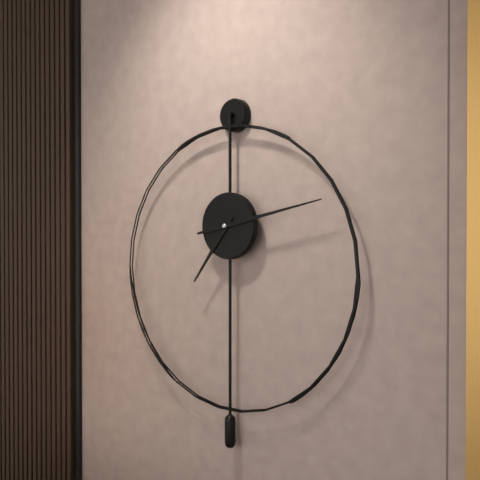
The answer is 7:13
